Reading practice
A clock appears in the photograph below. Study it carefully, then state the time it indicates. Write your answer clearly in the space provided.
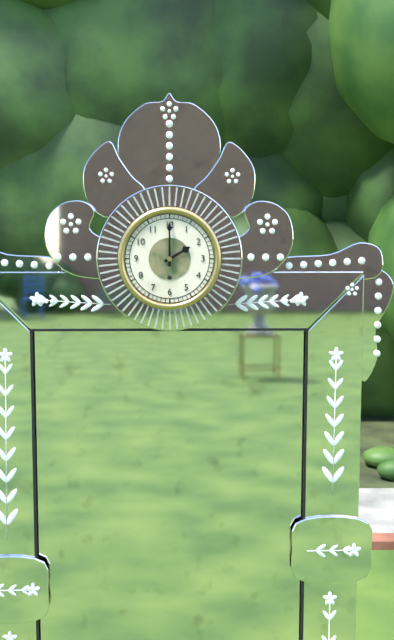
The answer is 2:00
